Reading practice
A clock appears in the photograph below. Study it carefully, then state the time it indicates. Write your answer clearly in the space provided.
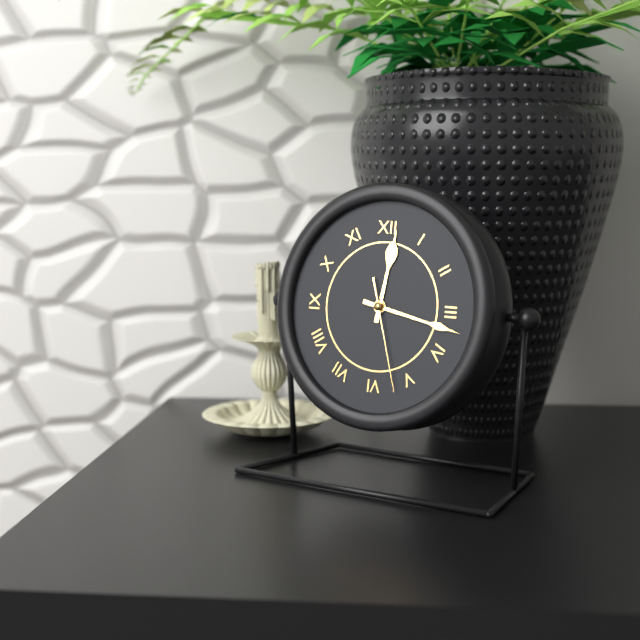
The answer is 12:17:27
